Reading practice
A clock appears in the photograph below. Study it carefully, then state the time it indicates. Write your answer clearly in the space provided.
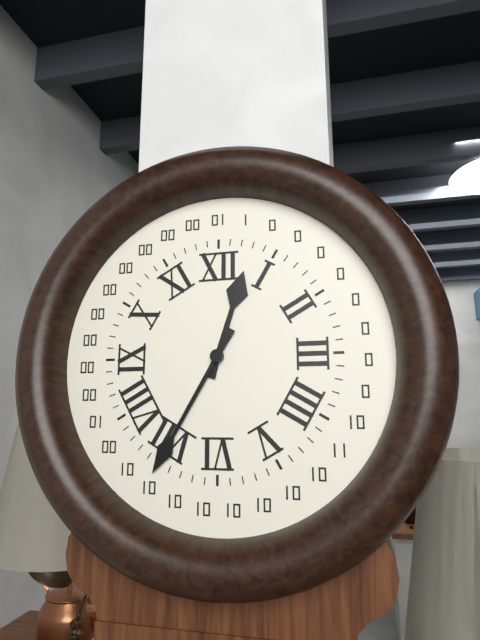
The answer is 12:35
